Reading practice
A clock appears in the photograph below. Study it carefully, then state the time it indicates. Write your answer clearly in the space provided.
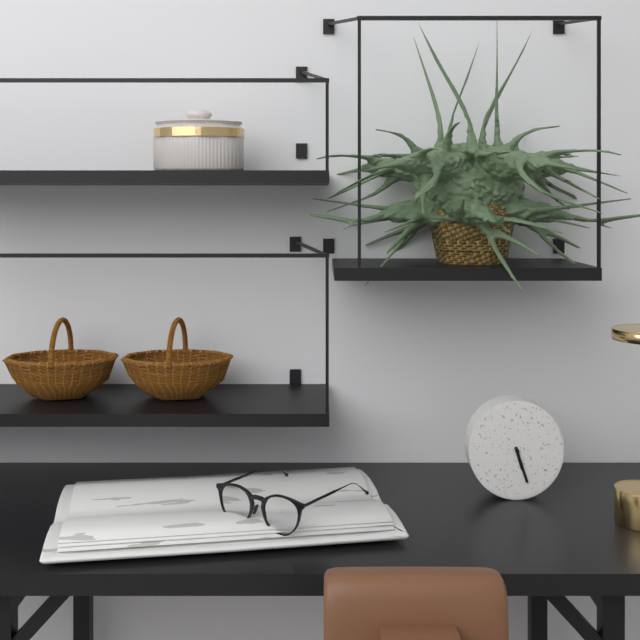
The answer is 5:27
